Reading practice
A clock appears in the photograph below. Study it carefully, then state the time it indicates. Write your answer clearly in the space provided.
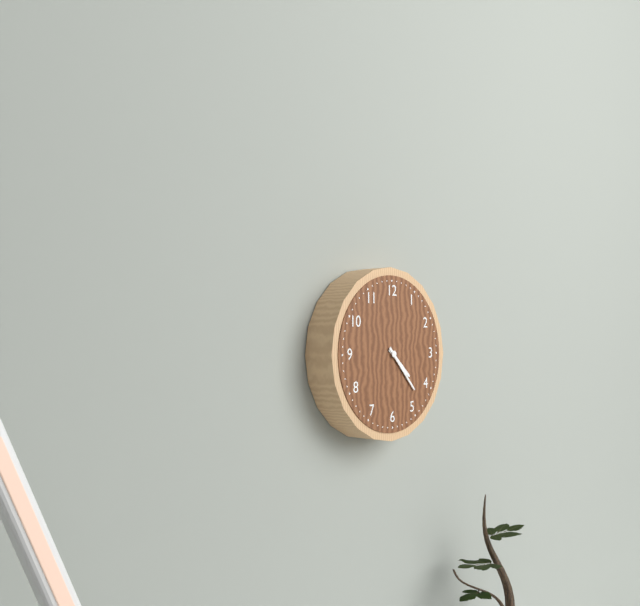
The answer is 4:23
